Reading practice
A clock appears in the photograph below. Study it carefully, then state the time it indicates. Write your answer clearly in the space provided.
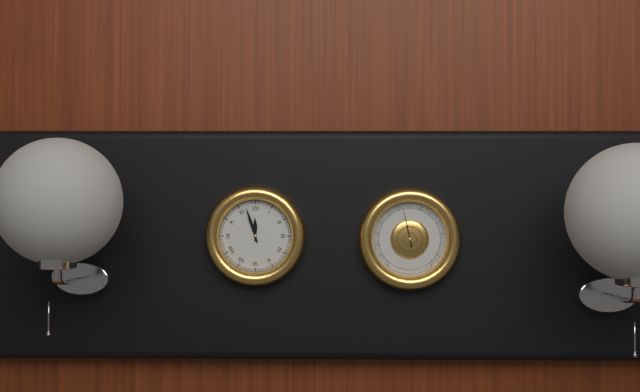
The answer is 11:57
